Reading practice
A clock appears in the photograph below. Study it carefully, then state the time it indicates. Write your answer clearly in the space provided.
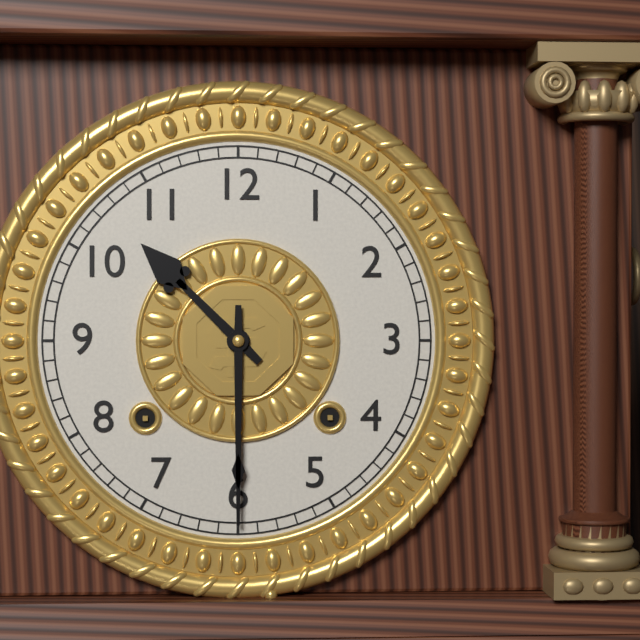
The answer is 10:30
